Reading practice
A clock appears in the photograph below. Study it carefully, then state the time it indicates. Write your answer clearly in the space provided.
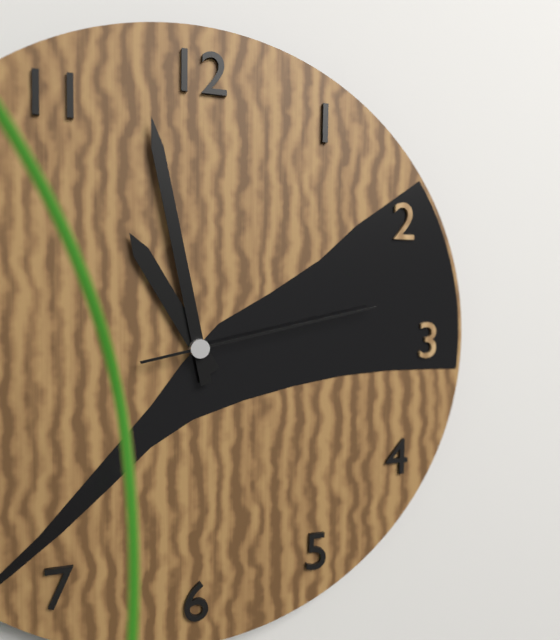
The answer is 10:58:13
